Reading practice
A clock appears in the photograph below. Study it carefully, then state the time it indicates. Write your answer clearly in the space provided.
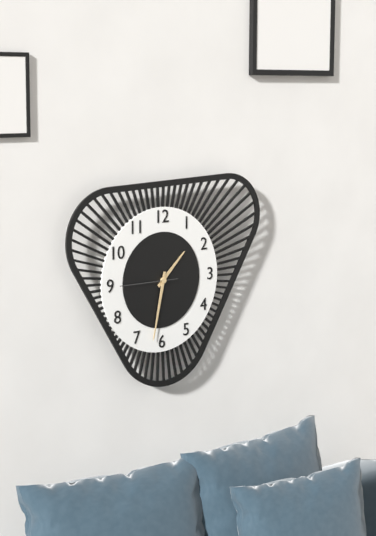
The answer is 1:32:45
